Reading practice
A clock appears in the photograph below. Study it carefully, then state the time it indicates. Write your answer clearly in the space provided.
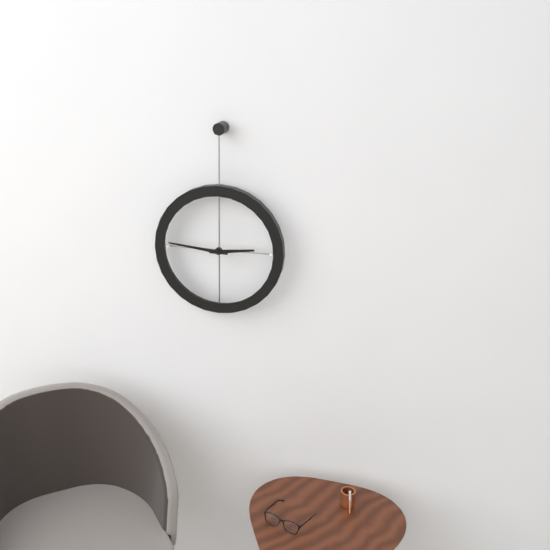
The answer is 2:46
